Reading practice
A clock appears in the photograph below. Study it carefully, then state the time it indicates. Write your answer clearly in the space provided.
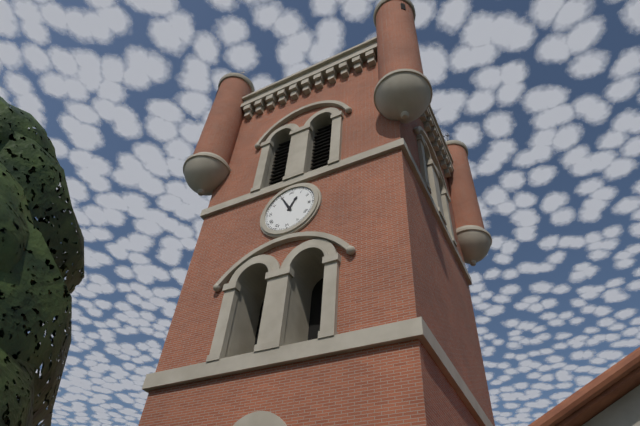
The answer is 12:55
